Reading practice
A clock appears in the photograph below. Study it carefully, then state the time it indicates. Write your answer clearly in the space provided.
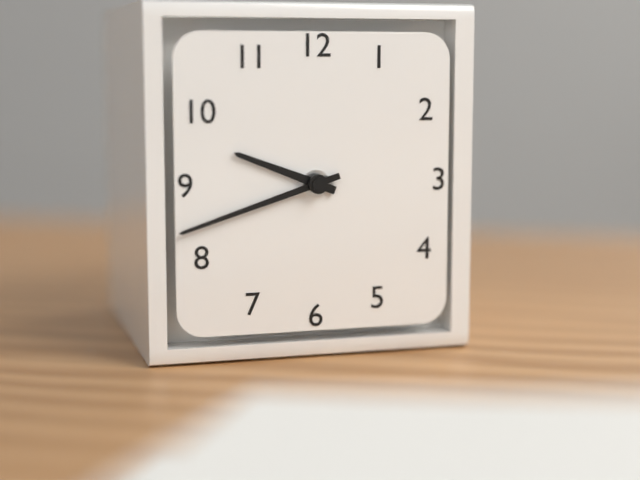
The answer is 9:42
